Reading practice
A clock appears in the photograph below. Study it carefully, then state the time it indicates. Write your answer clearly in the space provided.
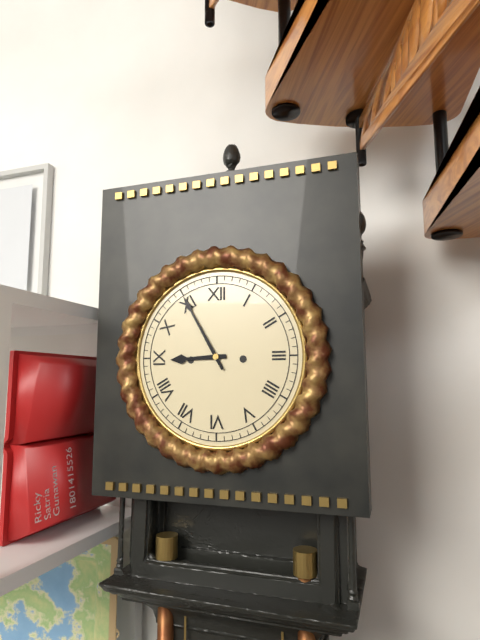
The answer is 8:55
